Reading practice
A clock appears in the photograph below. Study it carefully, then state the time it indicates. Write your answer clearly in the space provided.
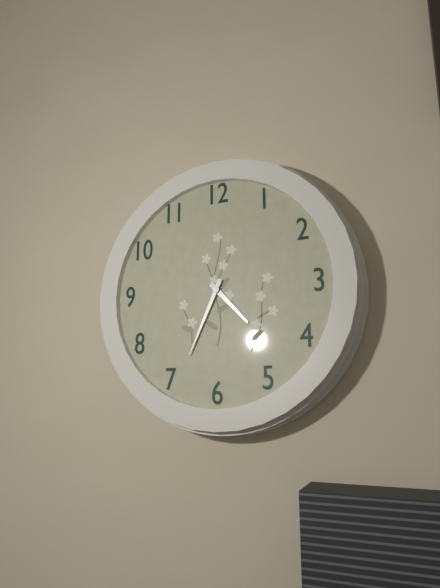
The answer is 4:34
